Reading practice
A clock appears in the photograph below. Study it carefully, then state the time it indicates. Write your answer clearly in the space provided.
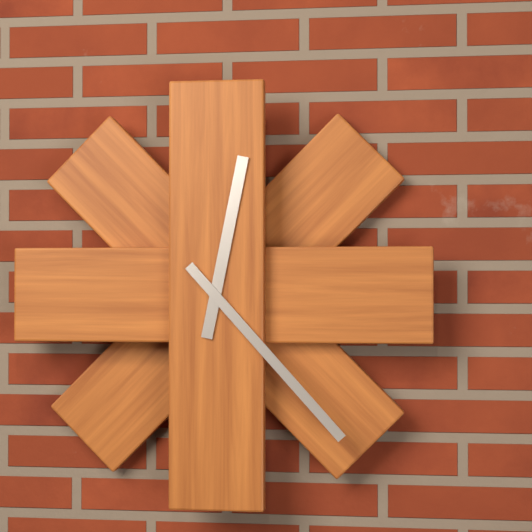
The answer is 12:23
